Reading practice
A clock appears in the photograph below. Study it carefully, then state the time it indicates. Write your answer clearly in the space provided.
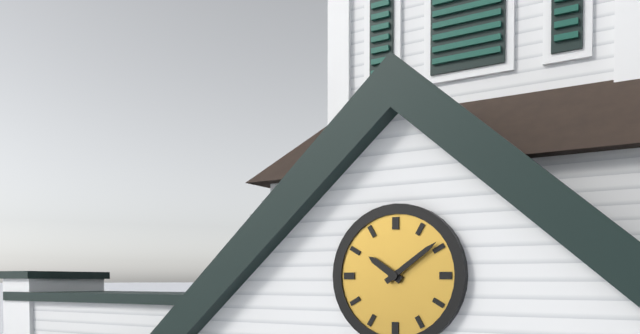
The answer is 10:09
